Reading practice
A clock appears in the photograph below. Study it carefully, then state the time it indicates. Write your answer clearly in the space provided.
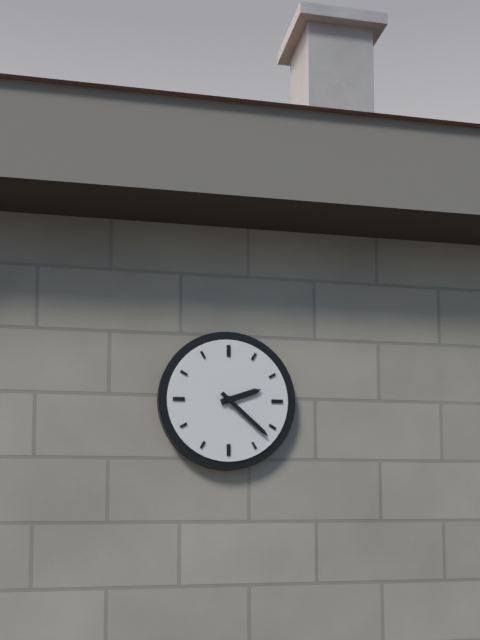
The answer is 2:22
